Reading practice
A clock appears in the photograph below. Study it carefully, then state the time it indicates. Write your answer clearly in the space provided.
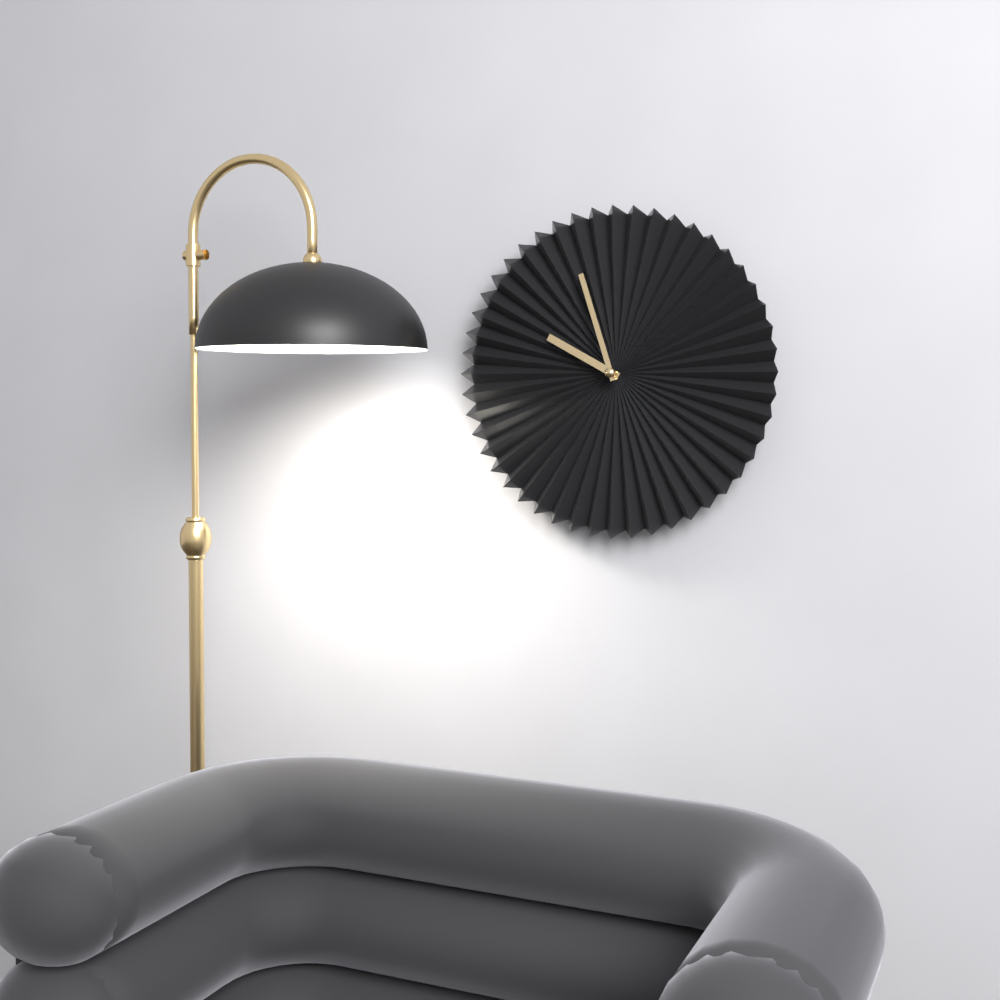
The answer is 9:57
